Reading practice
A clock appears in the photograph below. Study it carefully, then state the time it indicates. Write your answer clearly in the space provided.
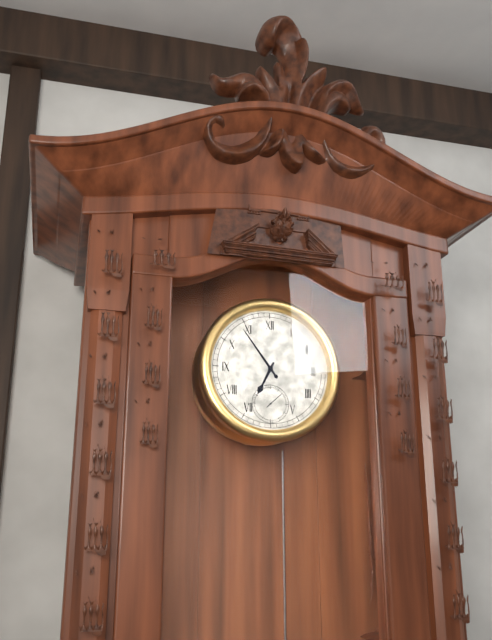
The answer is 6:54
